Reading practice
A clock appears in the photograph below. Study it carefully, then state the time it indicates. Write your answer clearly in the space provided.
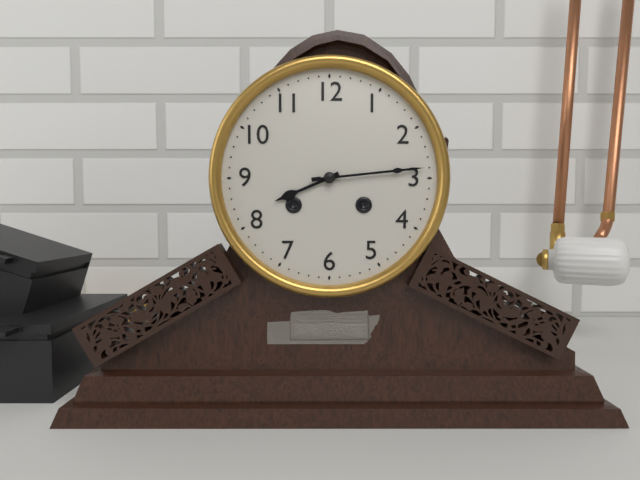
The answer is 8:14
